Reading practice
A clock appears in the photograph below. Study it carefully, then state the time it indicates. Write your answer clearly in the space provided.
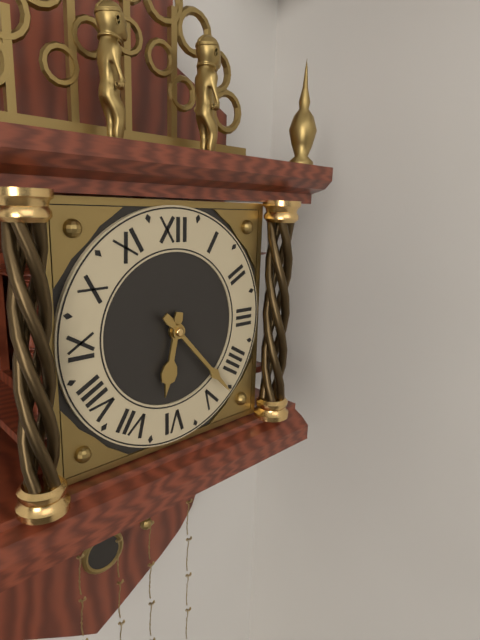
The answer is 6:23
